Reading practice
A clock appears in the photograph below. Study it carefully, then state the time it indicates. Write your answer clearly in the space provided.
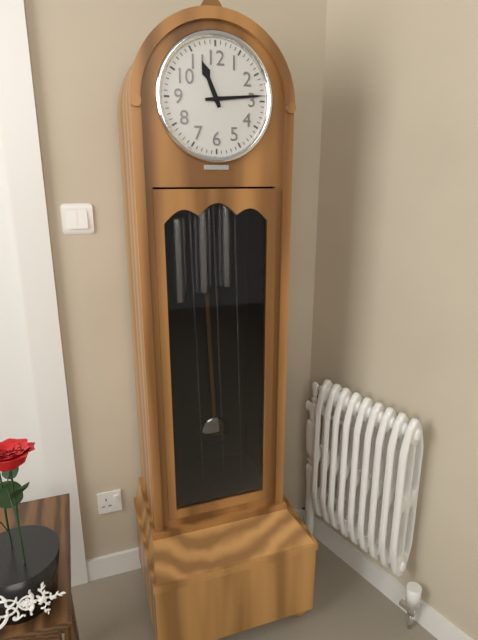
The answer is 11:14
